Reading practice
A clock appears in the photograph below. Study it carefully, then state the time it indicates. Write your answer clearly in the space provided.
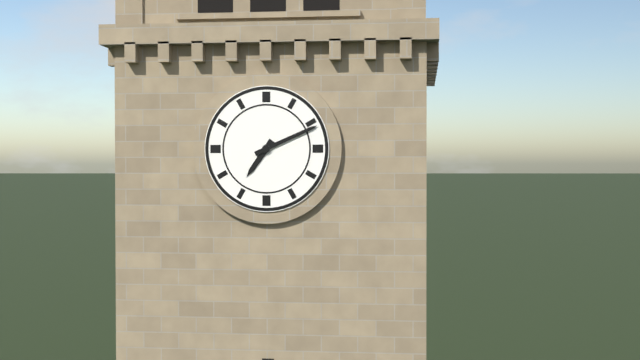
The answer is 7:11
